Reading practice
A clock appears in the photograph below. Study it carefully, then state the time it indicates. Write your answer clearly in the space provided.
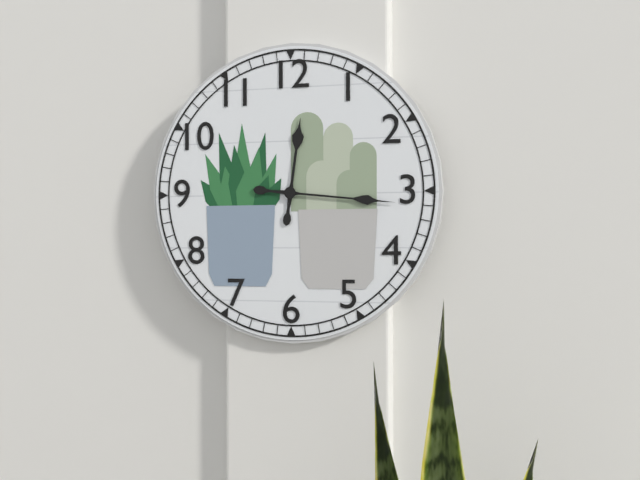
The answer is 12:16
